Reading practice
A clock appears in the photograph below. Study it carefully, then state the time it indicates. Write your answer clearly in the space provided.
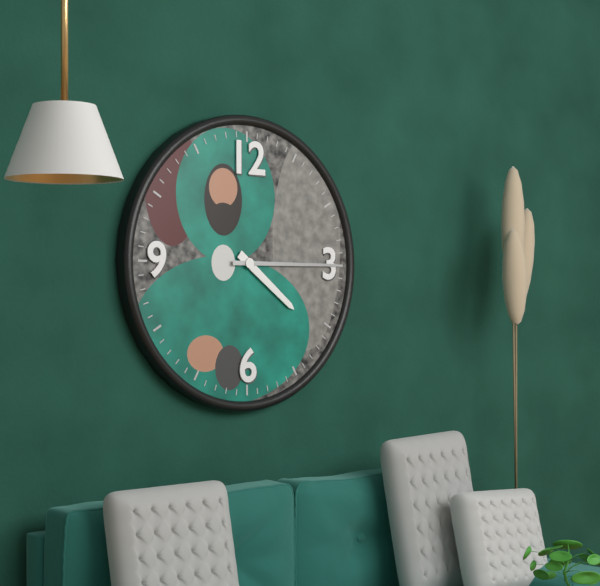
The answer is 4:15
